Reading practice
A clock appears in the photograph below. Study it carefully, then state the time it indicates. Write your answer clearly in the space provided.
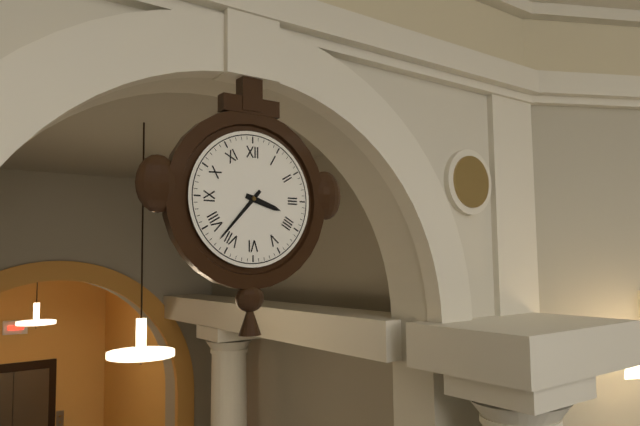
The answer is 3:37
